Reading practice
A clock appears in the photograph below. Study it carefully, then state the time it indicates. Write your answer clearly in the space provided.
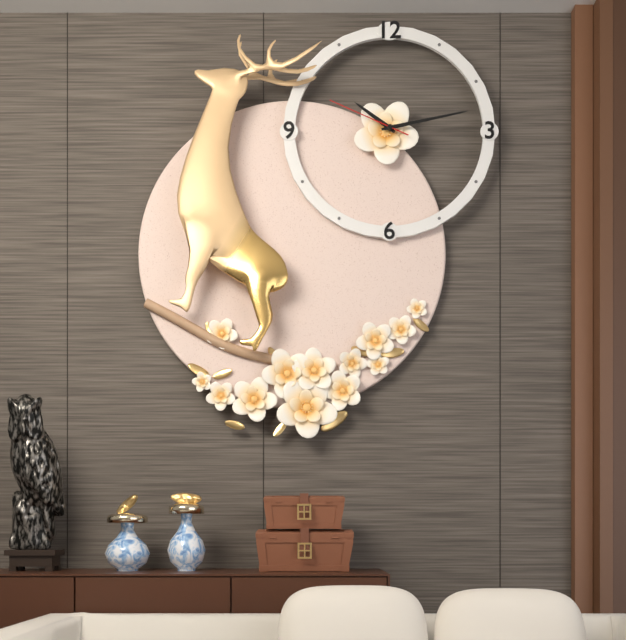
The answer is 10:13:49
